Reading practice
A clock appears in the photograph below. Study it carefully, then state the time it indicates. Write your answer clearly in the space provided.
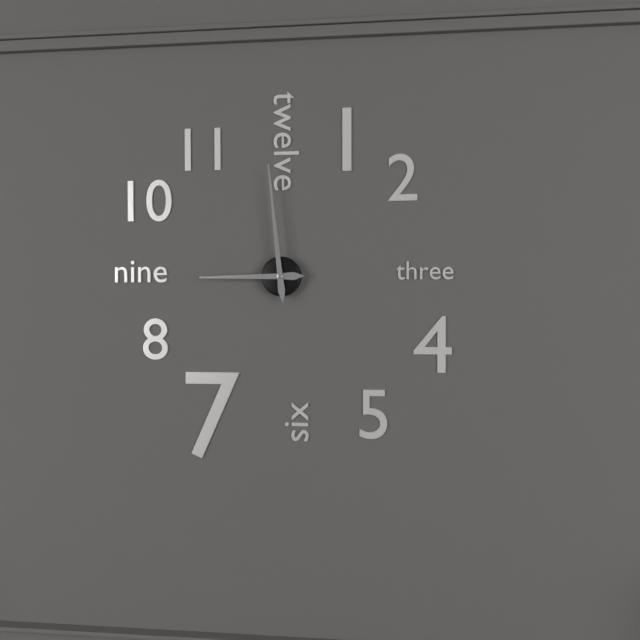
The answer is 8:59
